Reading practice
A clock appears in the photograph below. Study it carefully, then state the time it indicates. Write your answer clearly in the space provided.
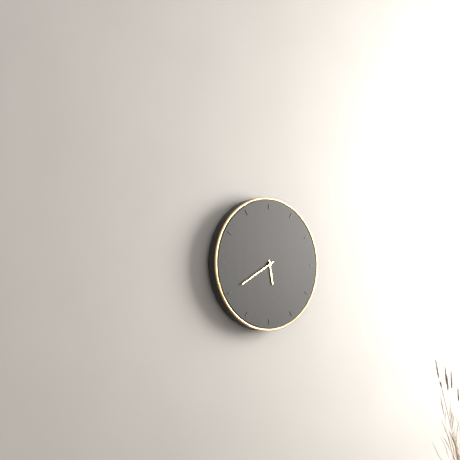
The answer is 5:40
